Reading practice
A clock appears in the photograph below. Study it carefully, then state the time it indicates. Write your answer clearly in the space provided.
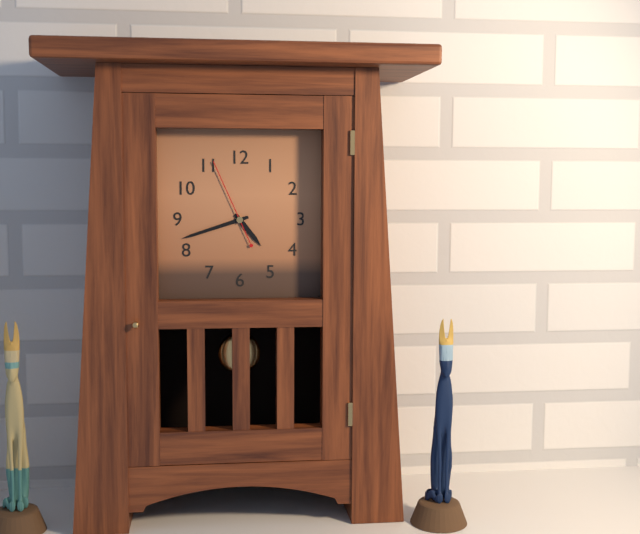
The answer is 4:42:56
